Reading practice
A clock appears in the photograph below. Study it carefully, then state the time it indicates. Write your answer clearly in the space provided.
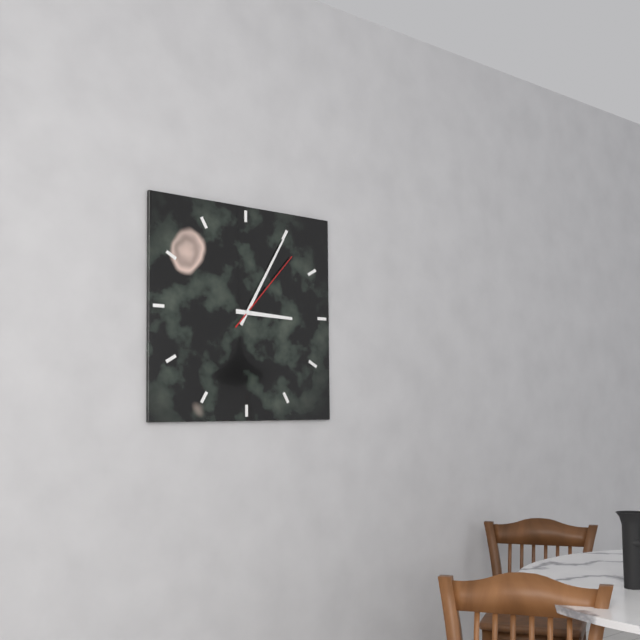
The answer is 3:05:07
